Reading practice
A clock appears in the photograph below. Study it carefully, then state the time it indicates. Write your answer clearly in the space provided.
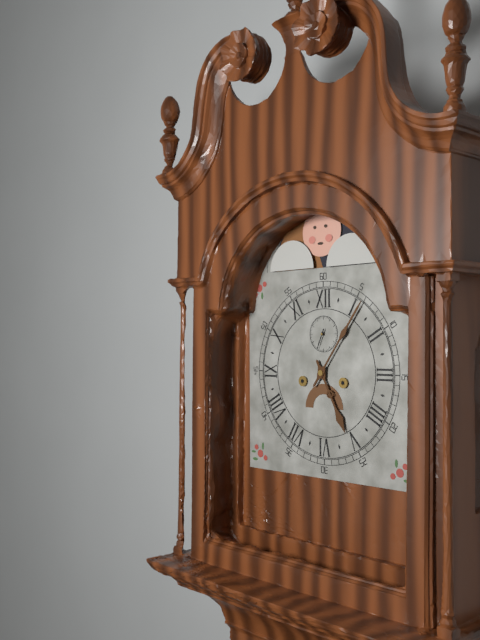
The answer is 5:06
